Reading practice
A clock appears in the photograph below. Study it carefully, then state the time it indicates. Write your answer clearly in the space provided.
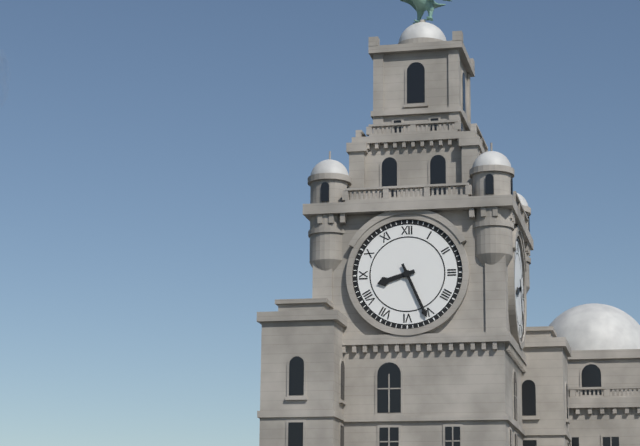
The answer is 8:26
